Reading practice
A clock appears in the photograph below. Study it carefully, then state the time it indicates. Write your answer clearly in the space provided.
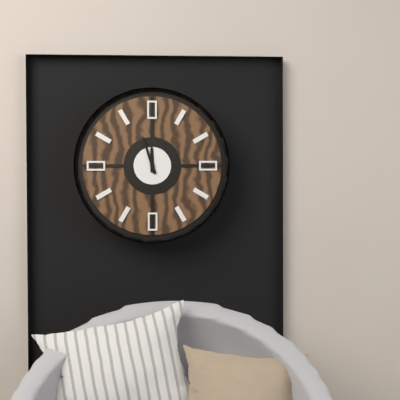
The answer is 11:57
